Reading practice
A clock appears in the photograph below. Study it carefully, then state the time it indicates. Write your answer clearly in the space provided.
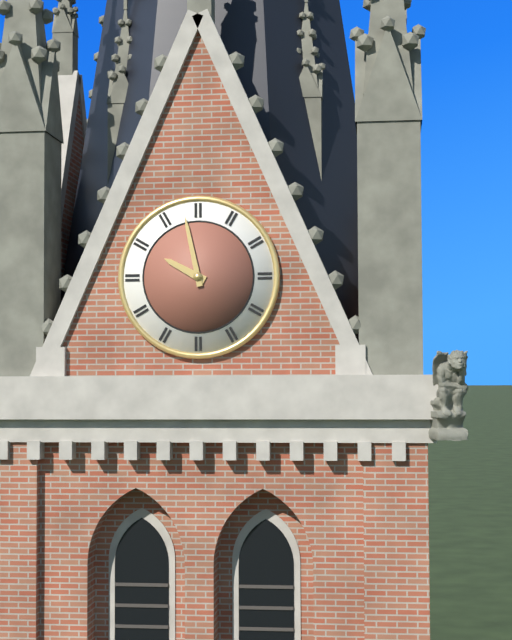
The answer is 9:58
